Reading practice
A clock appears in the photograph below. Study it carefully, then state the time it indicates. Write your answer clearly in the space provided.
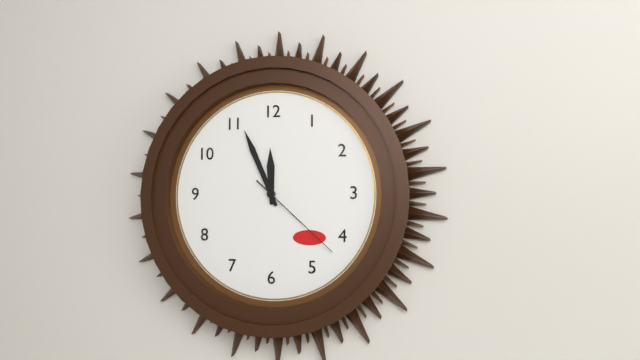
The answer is 11:56:22
